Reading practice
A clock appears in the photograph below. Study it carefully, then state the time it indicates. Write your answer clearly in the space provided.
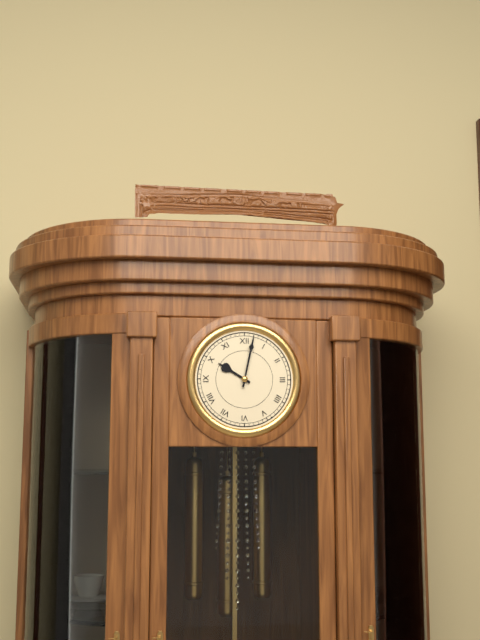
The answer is 10:02
